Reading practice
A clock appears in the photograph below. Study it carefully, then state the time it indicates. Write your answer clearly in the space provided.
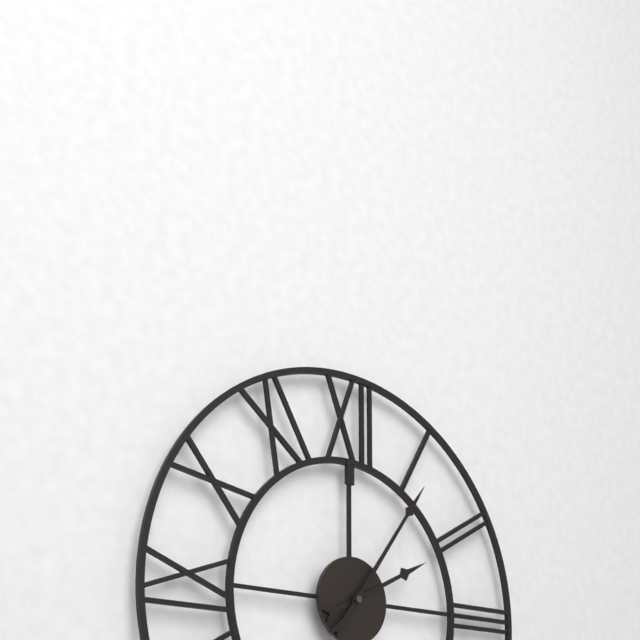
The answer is 2:06
